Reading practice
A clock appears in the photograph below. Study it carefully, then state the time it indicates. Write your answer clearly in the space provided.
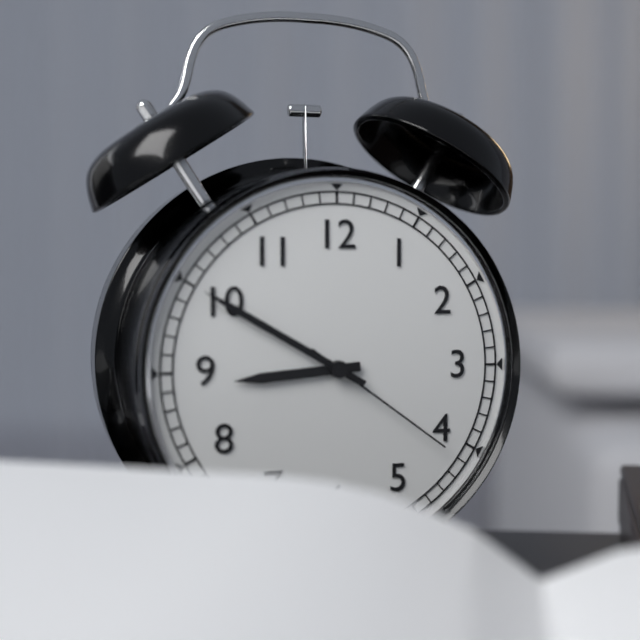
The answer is 8:50:21
